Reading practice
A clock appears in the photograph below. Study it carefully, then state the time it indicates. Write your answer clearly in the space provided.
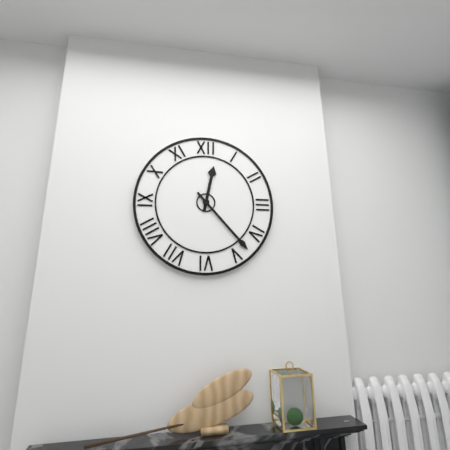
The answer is 12:23
